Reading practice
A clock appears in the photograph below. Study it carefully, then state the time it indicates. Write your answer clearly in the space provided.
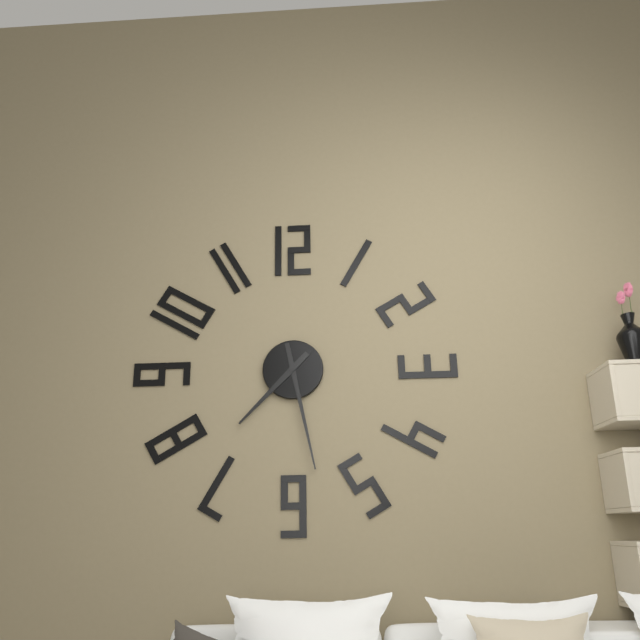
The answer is 7:28
